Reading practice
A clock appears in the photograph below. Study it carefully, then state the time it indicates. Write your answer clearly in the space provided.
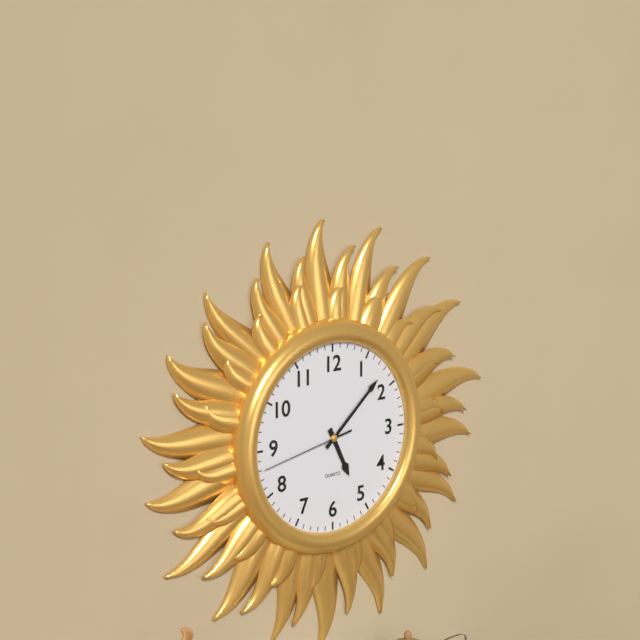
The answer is 5:08:43
